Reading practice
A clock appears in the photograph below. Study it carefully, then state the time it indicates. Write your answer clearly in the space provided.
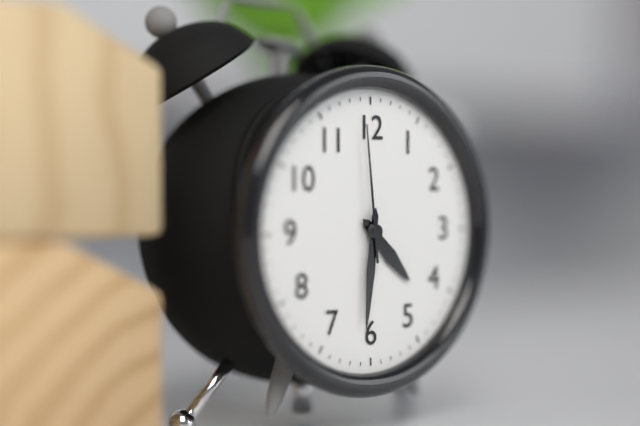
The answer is 4:31:59
